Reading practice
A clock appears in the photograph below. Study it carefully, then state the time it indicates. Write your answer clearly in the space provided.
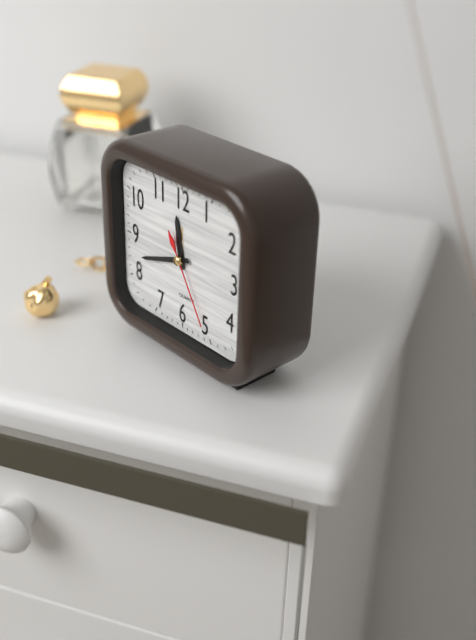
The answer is 11:42:25
